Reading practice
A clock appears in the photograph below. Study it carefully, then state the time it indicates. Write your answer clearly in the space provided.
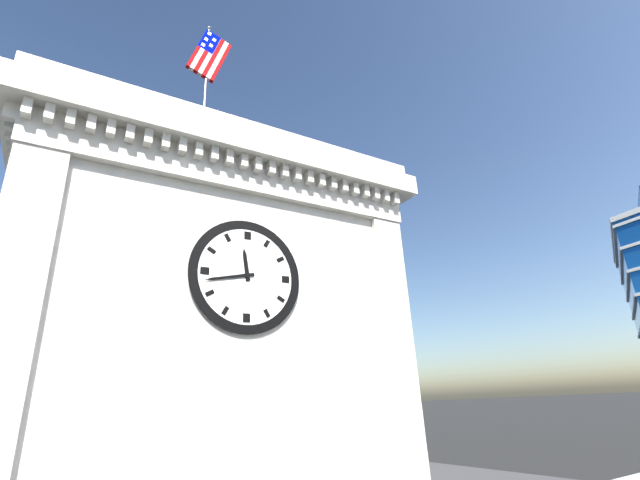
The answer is 11:43
